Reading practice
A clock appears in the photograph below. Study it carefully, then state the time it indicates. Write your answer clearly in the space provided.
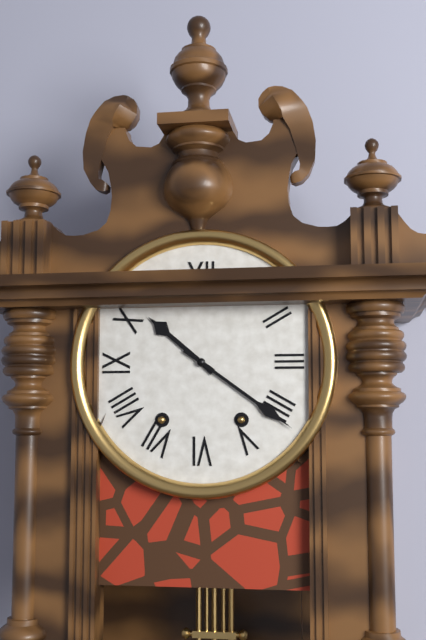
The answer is 10:21
